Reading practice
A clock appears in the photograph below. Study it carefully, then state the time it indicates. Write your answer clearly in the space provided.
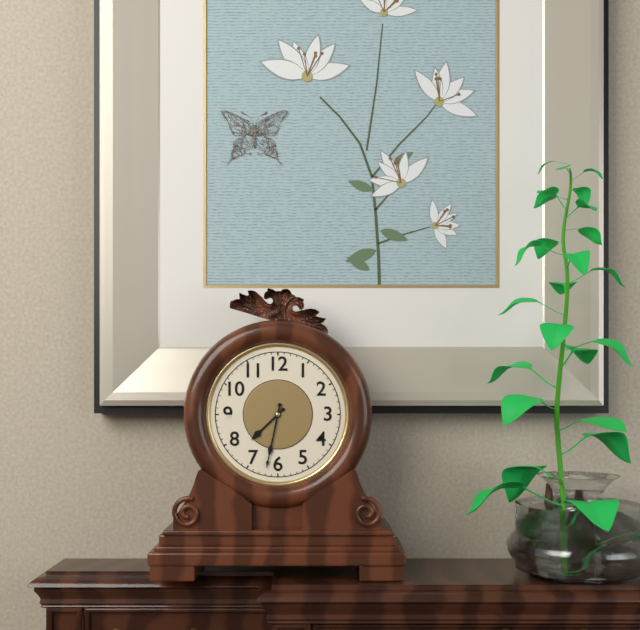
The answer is 7:32
